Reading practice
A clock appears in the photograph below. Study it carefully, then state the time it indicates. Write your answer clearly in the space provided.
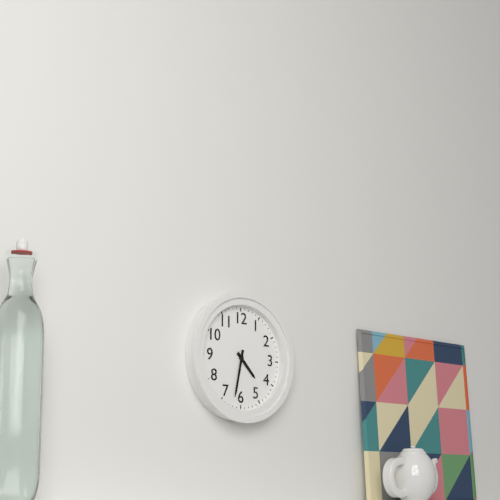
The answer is 4:32
